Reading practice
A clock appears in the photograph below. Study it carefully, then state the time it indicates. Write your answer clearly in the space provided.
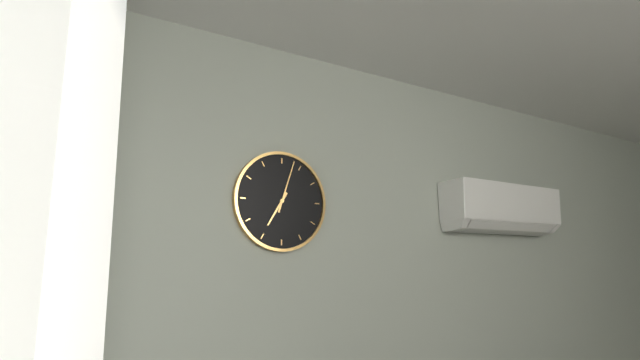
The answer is 7:03
